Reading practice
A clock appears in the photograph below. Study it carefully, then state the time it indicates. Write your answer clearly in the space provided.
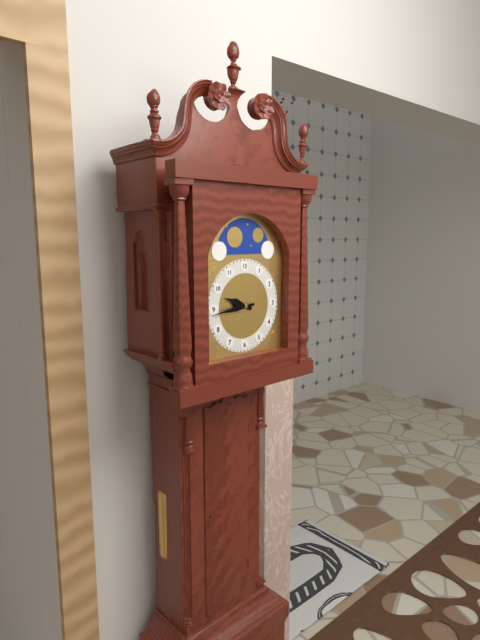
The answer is 9:44
